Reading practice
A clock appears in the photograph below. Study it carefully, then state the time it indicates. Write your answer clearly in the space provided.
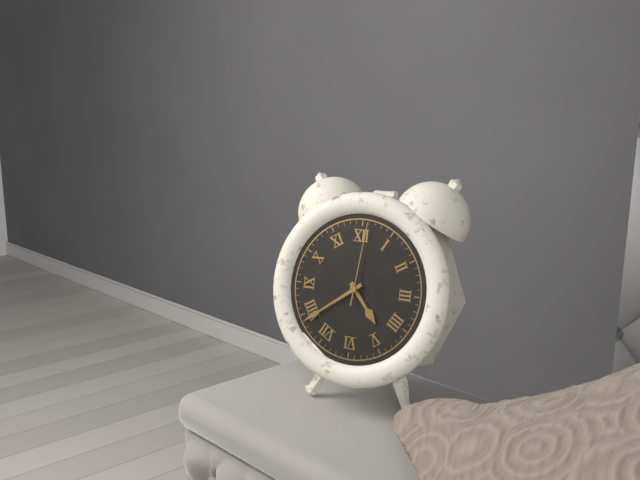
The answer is 4:39:01
